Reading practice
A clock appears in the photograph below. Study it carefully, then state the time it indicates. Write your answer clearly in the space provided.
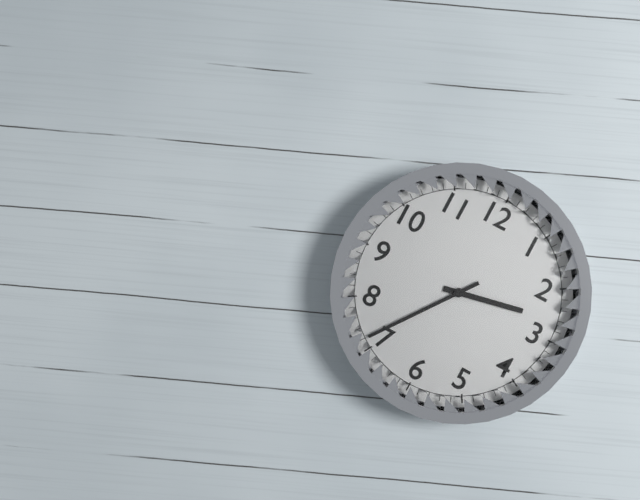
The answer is 2:36
